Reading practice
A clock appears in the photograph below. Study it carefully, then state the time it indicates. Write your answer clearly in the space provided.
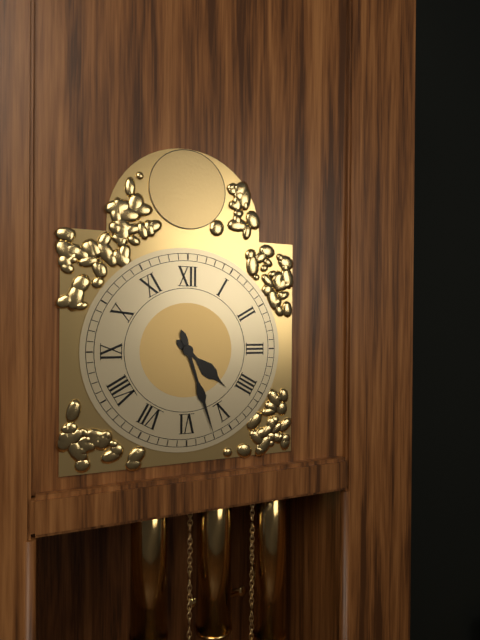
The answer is 4:27
